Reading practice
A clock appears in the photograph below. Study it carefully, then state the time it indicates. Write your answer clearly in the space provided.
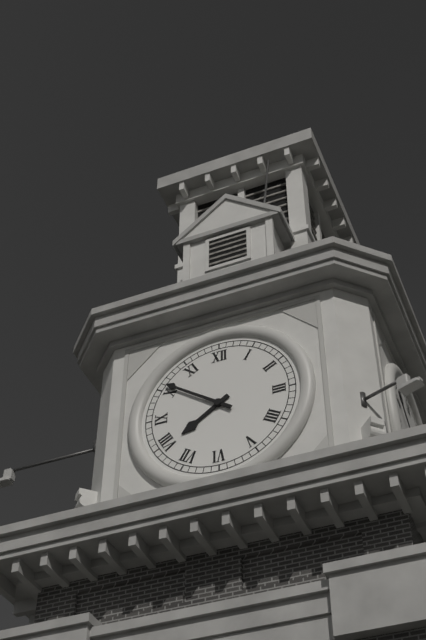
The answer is 7:51
